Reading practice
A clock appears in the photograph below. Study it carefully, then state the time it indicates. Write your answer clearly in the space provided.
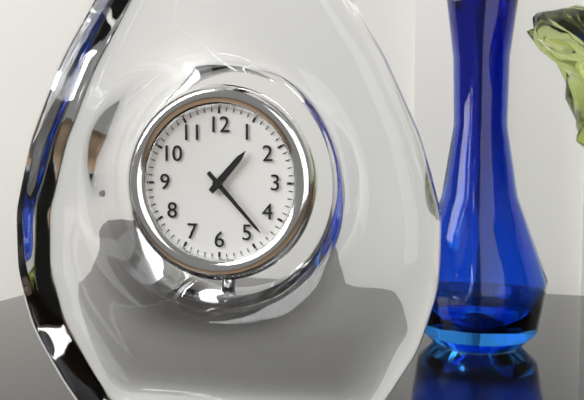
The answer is 1:23
